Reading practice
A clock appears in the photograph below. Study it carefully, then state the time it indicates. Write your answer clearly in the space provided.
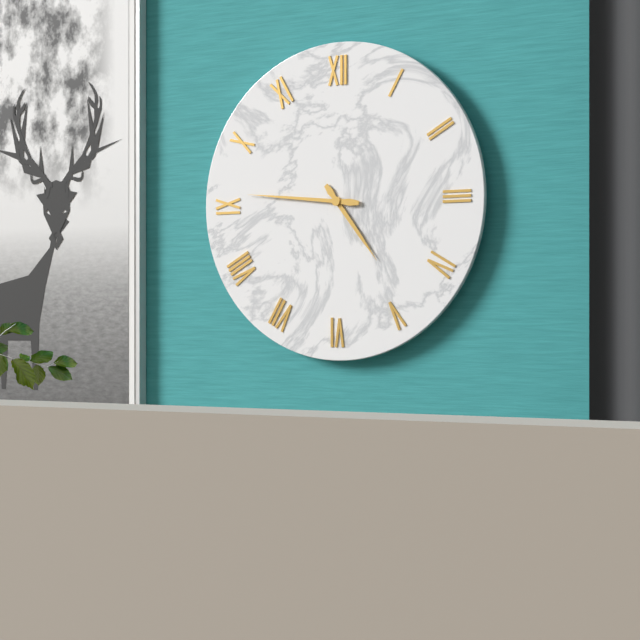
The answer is 4:46
